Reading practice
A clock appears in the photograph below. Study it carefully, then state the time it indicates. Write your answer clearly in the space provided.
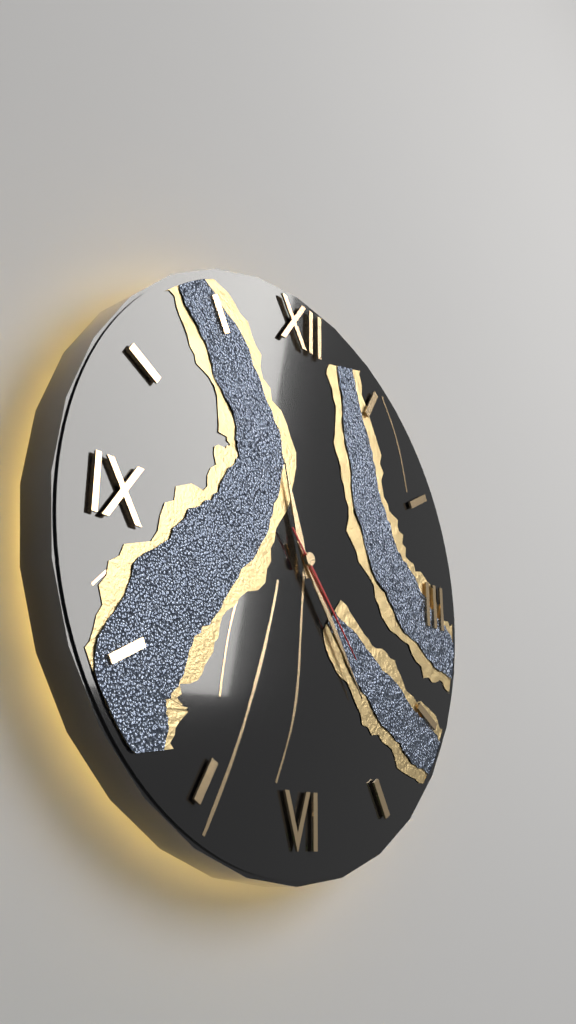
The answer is 11:24:23
